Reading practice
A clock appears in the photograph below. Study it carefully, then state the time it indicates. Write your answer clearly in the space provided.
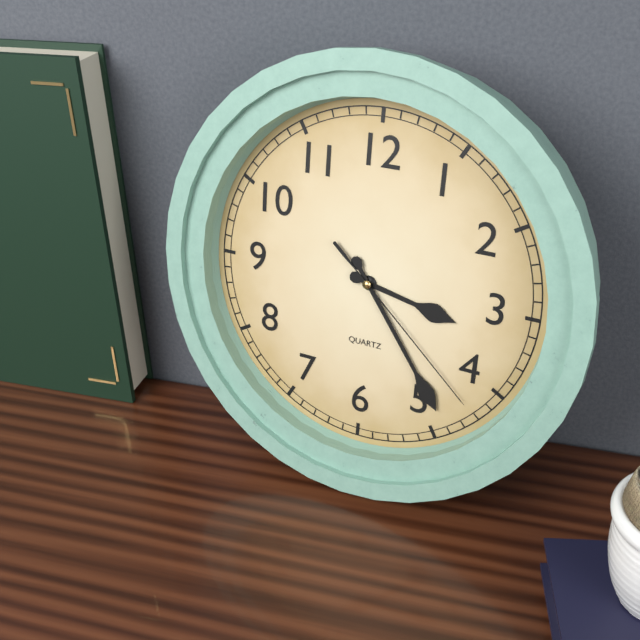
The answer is 3:24:22
